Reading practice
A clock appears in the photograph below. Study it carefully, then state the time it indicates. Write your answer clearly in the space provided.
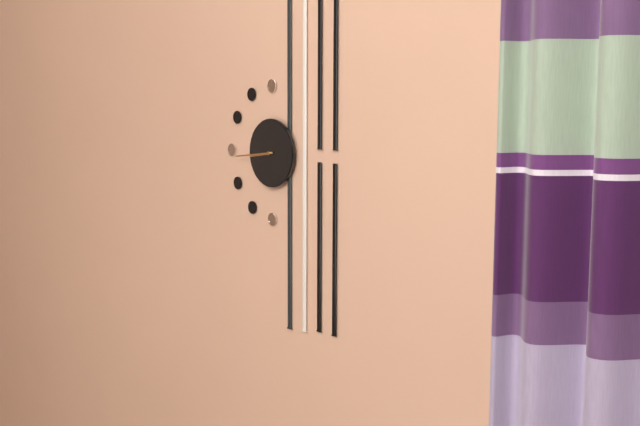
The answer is 8:44
